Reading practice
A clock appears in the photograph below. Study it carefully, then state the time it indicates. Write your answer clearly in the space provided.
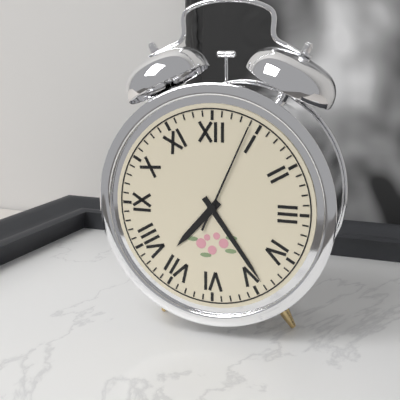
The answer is 7:24:04
